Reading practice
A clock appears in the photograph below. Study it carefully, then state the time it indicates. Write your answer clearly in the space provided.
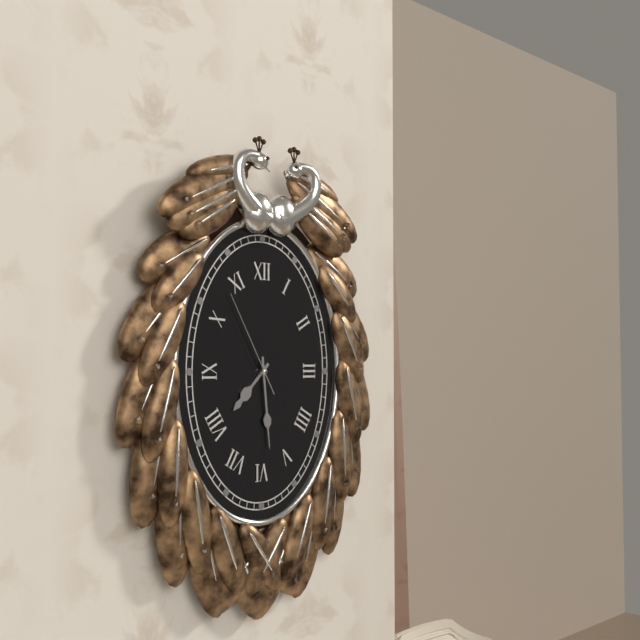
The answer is 7:29:55
